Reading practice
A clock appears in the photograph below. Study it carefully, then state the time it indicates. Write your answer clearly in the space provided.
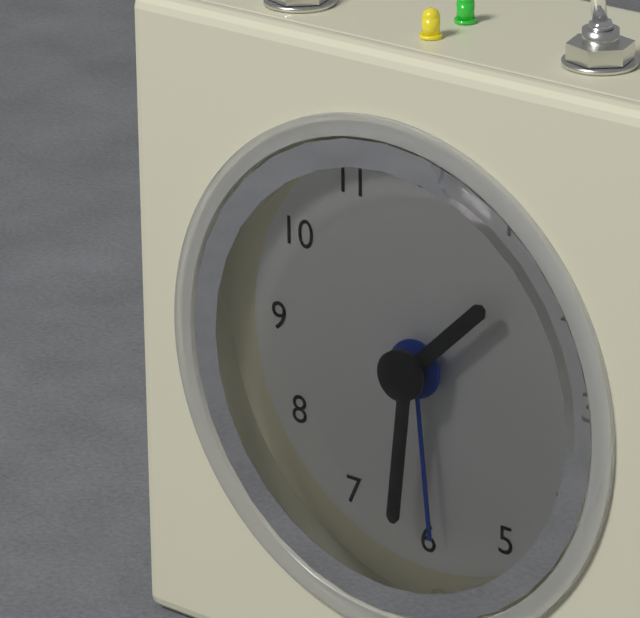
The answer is 1:31:29
